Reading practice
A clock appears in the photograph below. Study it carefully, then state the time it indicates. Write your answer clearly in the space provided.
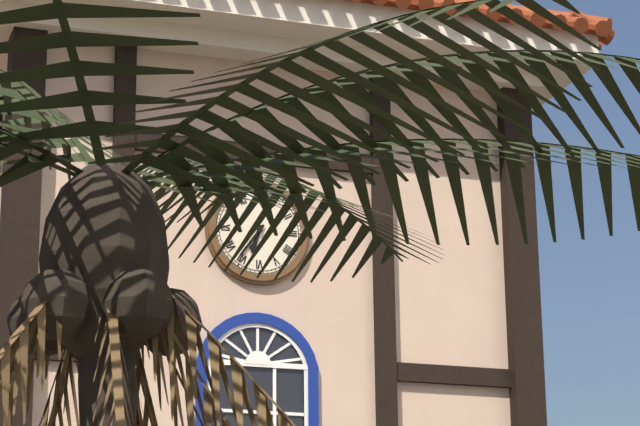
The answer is 6:36
